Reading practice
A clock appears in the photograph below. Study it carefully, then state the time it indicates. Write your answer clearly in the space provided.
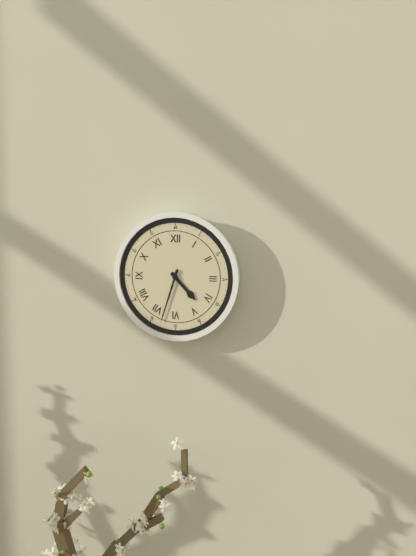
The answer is 4:33
